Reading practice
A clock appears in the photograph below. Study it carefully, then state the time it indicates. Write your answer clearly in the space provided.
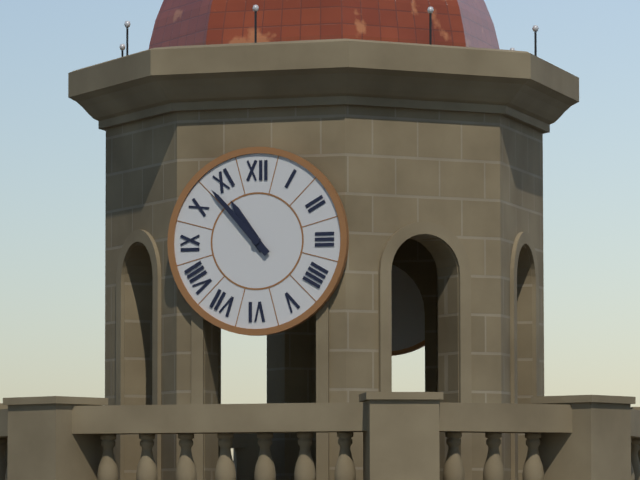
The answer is 10:53
